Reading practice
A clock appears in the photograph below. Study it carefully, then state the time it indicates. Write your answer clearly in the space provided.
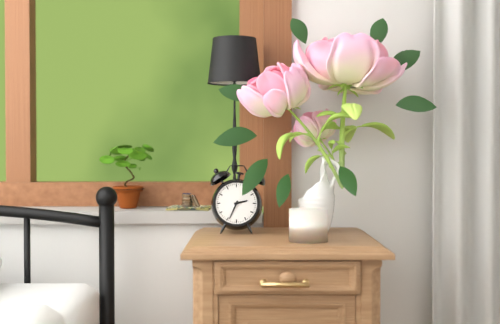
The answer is 2:34
